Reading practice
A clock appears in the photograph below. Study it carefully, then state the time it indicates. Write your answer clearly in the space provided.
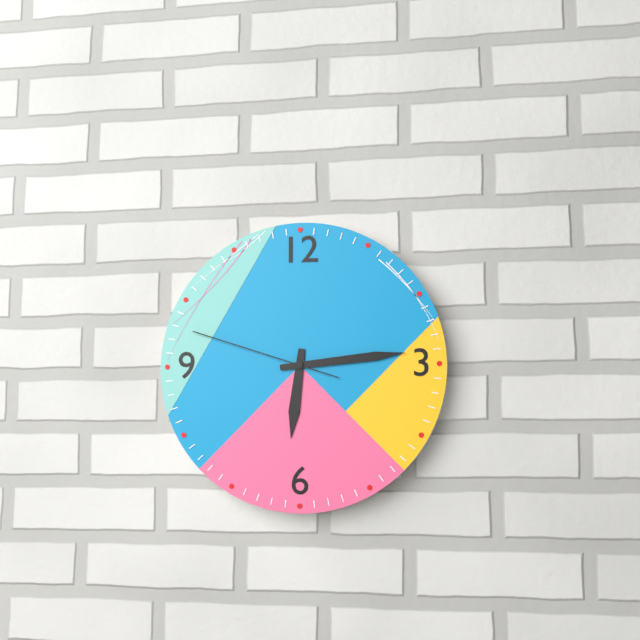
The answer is 6:14:48
